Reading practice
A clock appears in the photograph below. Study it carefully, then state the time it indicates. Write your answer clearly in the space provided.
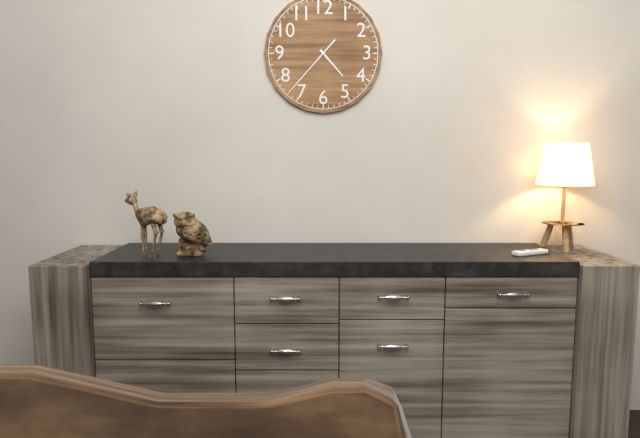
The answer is 4:37
